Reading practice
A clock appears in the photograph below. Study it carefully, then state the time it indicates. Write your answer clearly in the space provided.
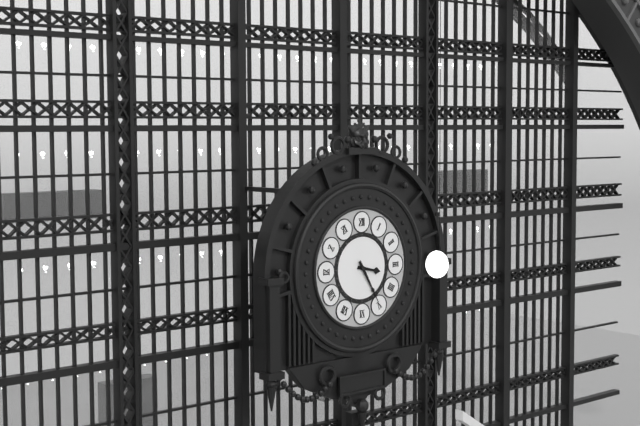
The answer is 3:25
